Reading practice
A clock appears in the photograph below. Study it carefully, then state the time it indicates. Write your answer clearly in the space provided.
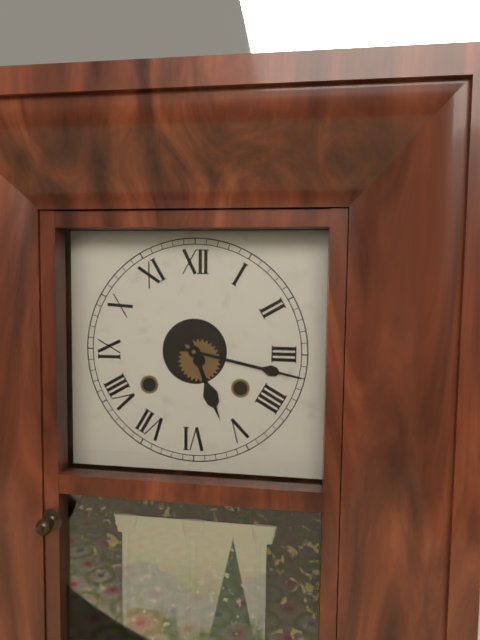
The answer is 5:17
